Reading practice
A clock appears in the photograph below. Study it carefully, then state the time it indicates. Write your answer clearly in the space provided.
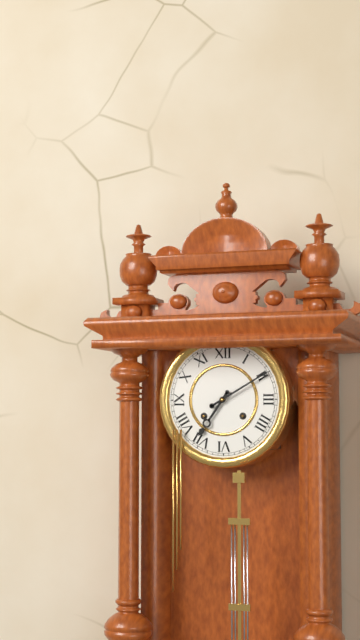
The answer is 7:10
